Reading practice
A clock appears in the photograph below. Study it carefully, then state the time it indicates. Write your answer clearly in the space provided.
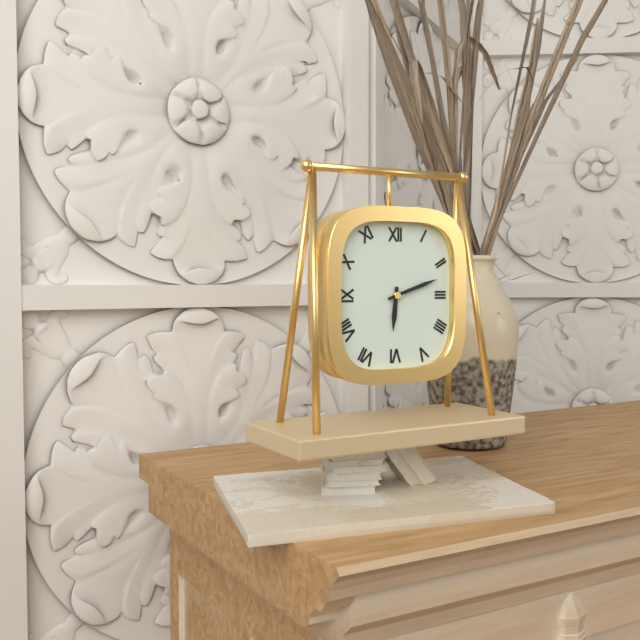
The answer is 6:12
